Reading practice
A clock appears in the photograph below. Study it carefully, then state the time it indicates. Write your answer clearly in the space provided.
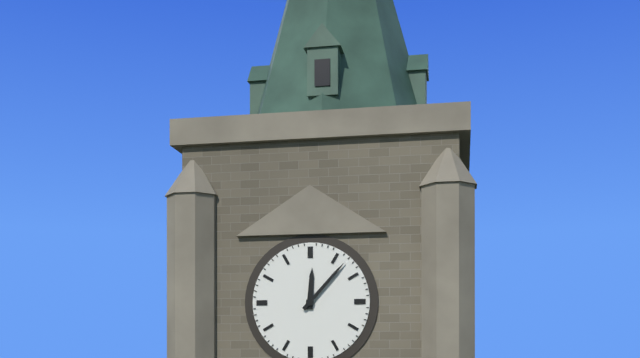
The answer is 12:07
